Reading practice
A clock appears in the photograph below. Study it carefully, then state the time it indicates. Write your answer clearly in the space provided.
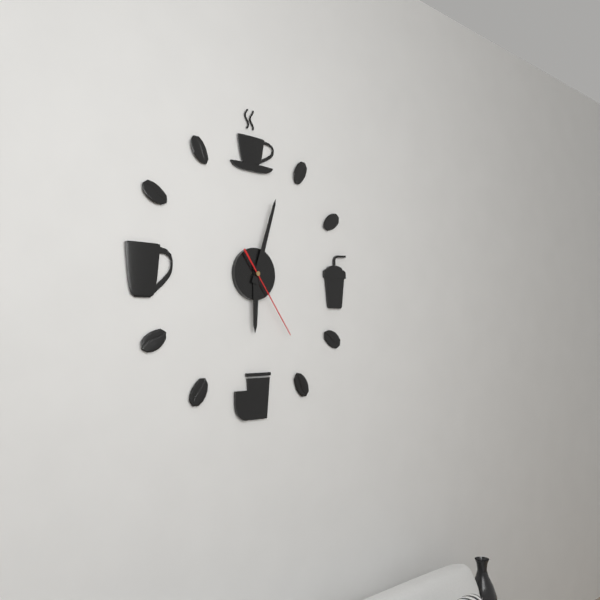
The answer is 6:03:24
